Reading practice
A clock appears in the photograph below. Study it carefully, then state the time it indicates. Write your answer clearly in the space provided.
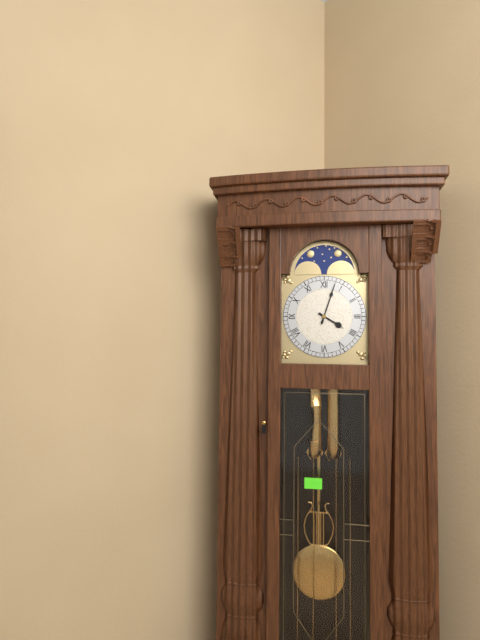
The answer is 4:03
